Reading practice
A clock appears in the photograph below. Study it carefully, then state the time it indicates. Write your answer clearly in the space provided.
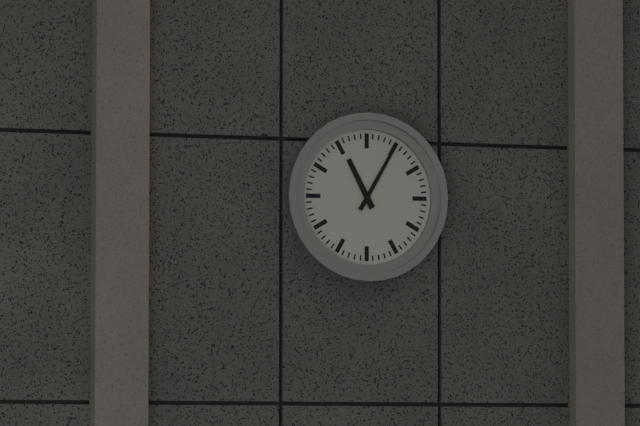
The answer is 11:05
